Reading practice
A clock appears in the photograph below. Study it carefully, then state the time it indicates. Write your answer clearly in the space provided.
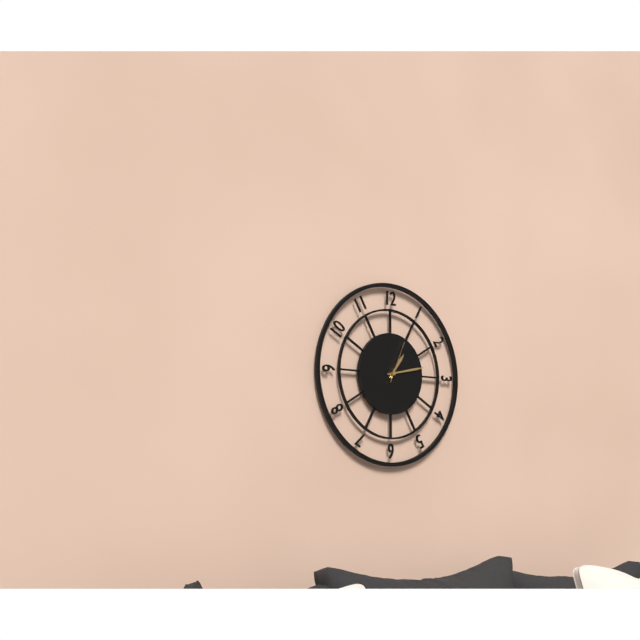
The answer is 1:13
